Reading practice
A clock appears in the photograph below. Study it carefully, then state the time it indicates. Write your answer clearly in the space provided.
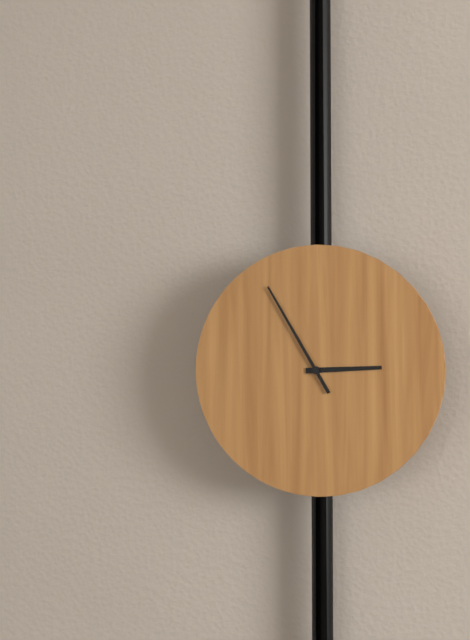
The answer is 2:55
